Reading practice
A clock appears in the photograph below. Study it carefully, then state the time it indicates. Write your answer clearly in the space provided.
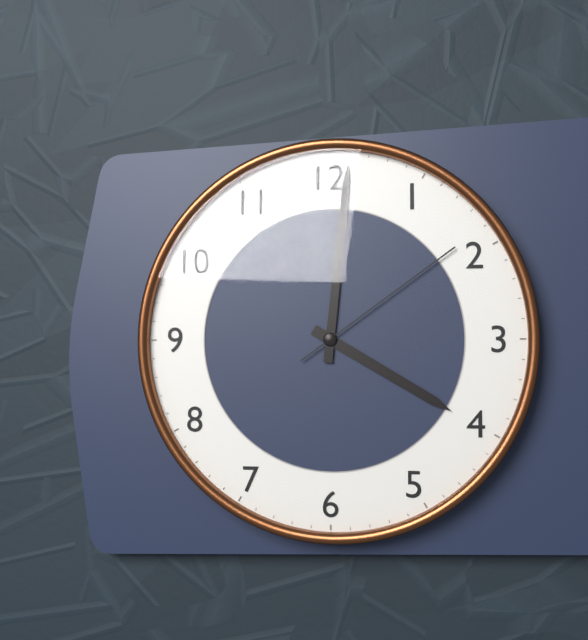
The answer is 4:01:09
